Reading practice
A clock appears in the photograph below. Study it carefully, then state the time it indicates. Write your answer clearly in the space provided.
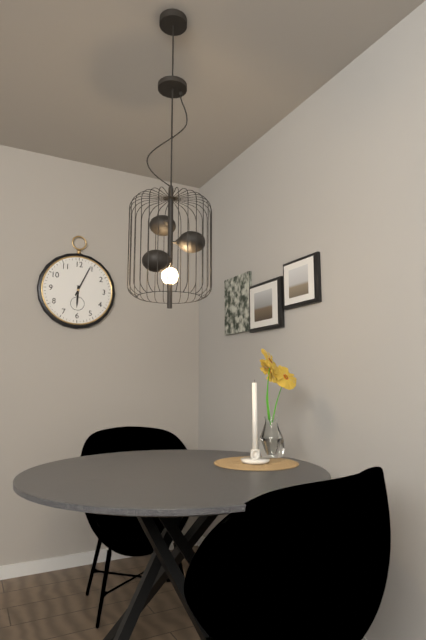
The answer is 6:04
